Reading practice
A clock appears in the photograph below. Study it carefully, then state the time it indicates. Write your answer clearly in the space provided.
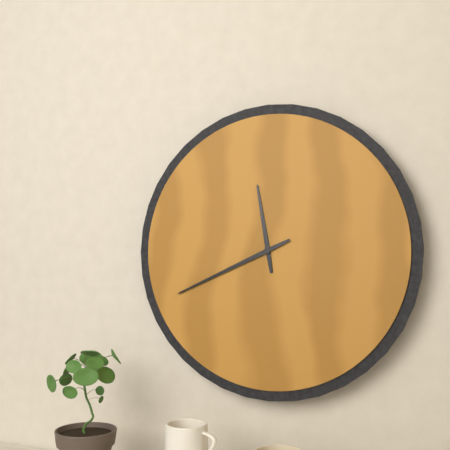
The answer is 11:41
